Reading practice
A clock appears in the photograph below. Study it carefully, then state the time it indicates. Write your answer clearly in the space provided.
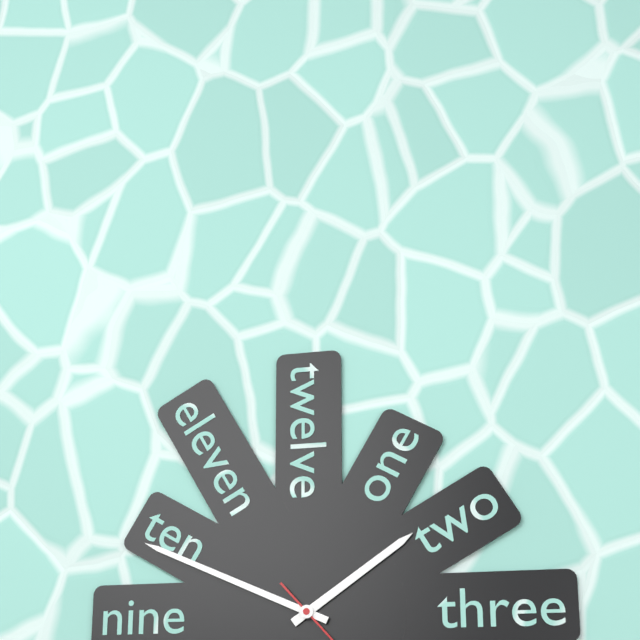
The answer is 1:49
